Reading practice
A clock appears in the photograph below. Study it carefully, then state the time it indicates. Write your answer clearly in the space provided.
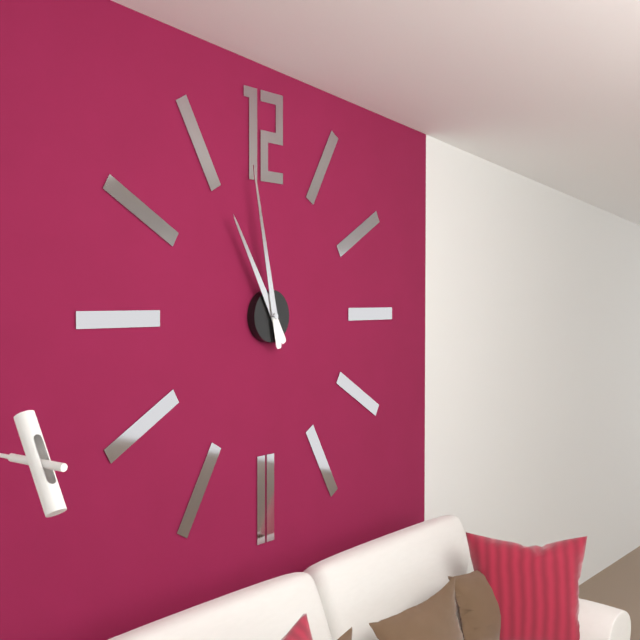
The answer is 10:58
